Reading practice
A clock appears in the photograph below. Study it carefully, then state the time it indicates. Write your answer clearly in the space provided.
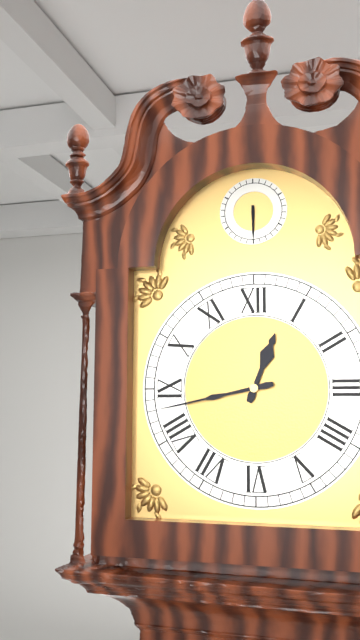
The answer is 12:43
